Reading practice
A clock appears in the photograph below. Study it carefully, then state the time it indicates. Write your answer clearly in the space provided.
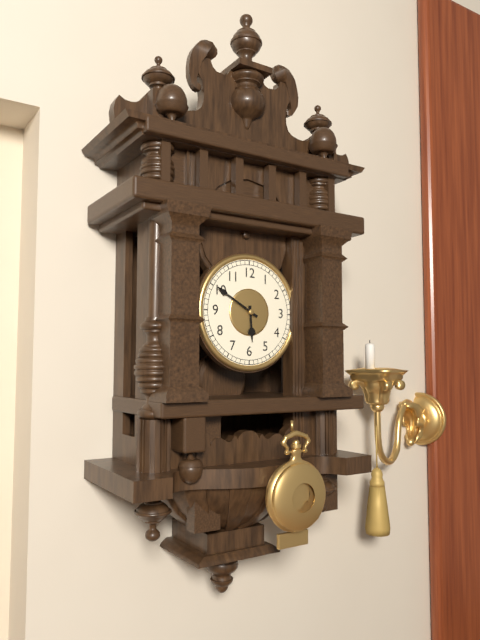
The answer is 5:50
